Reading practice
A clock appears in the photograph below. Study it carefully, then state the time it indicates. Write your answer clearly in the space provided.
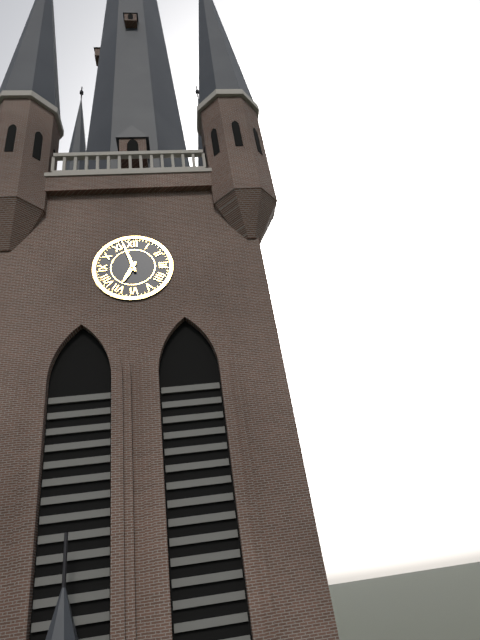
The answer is 6:57
